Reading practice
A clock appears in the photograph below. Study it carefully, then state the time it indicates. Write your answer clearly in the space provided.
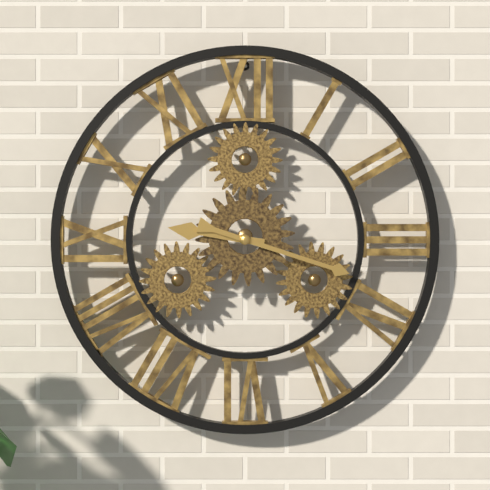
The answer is 9:18
